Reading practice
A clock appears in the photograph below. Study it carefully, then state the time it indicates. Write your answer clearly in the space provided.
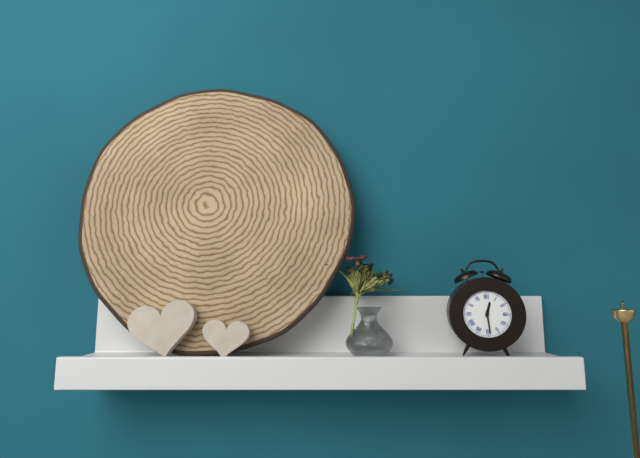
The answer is 12:29
